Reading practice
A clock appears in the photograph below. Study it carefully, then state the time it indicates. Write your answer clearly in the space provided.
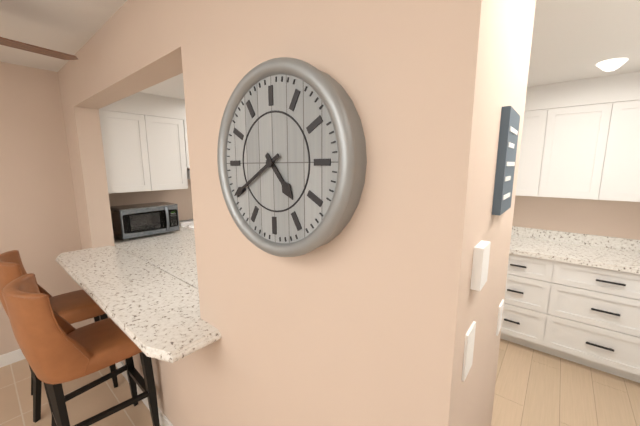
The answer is 4:40
